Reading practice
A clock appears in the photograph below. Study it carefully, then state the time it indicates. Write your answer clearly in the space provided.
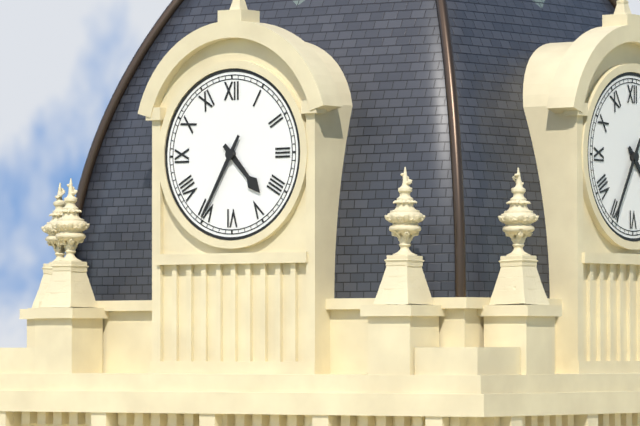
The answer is 4:35
